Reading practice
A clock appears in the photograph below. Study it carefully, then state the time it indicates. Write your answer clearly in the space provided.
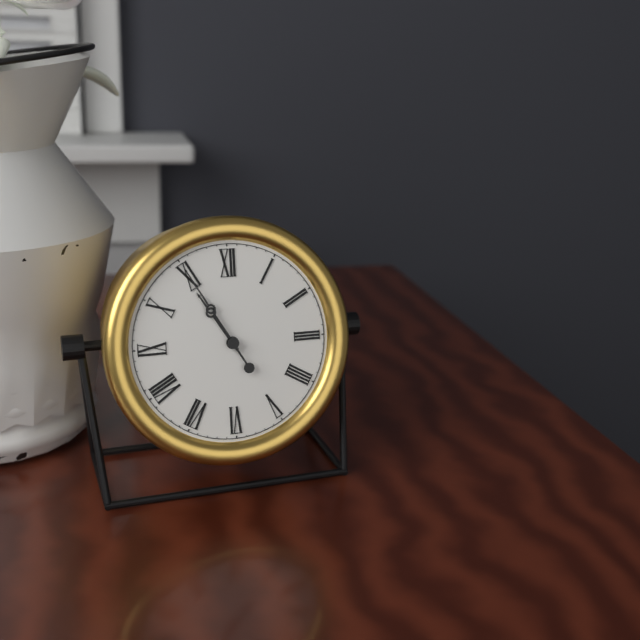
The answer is 10:55
